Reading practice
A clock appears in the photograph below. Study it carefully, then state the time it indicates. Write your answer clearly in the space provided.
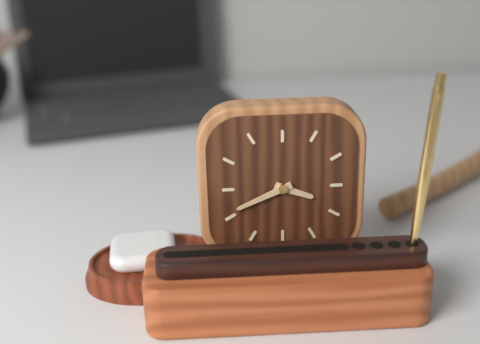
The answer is 3:41
